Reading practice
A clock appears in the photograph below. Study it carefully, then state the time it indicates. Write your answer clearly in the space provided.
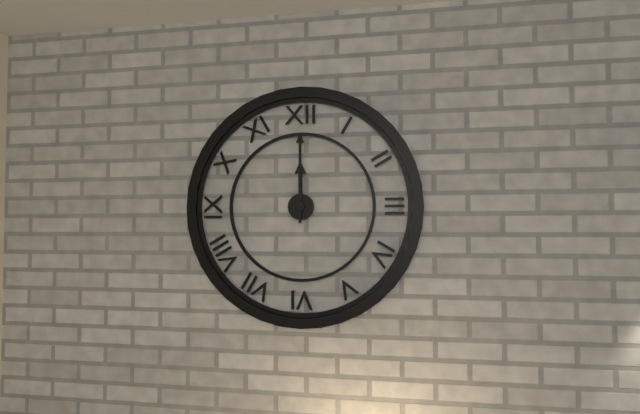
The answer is 12:00
